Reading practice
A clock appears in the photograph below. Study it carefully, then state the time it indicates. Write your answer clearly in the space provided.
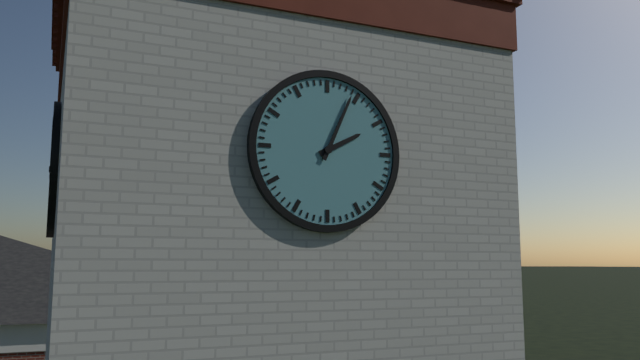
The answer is 2:04
